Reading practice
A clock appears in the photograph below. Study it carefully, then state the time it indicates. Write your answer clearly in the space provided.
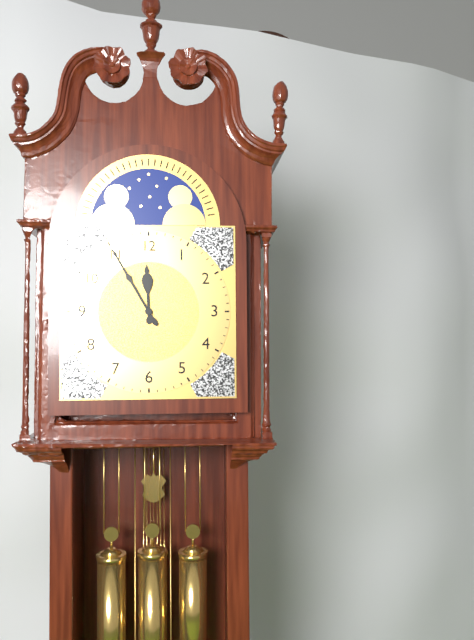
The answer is 11:55
